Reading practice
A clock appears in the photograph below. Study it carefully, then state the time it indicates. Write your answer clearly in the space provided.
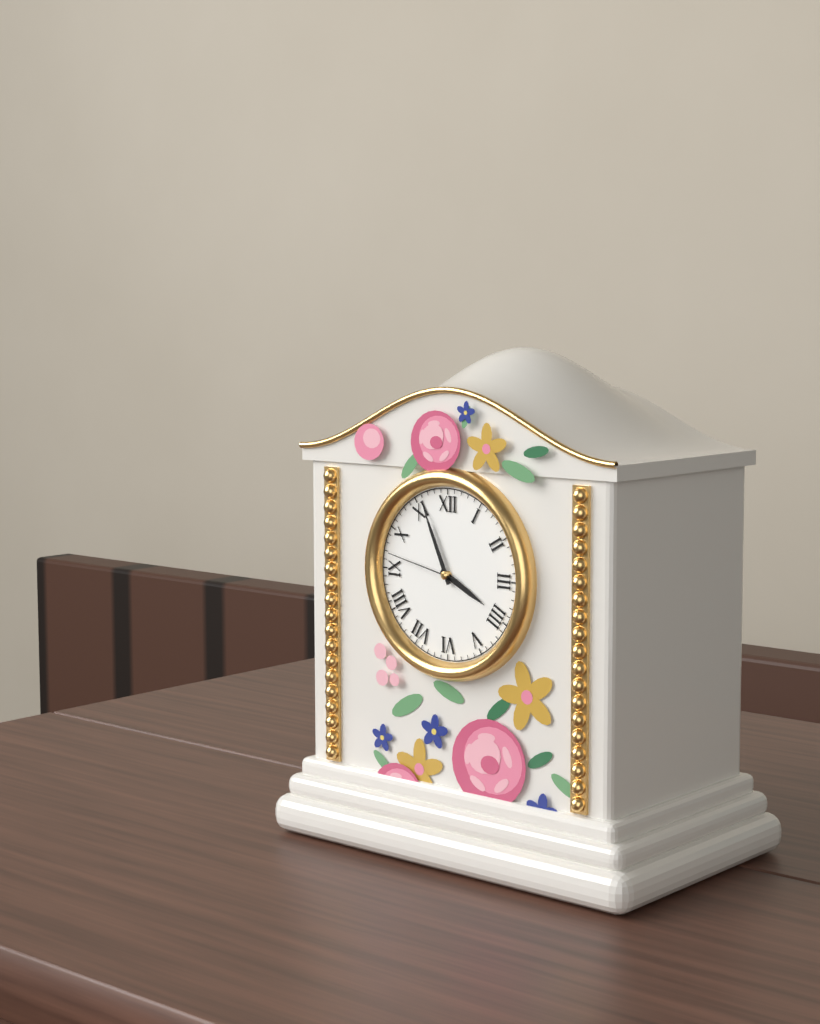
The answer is 3:56:47
